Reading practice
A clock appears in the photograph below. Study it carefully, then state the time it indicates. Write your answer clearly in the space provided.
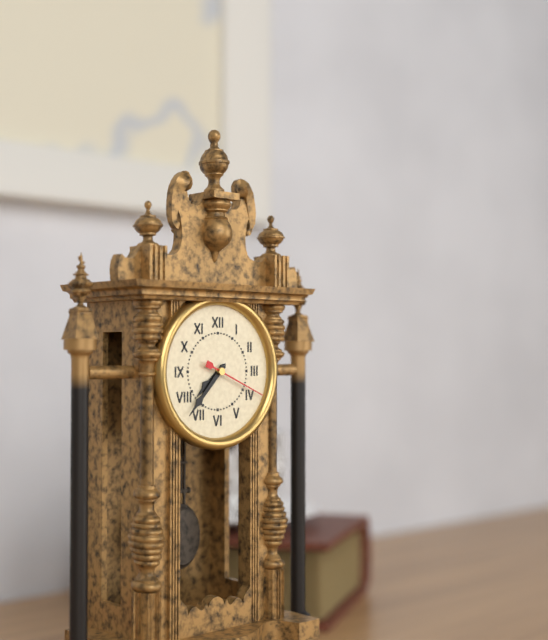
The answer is 7:37:19
